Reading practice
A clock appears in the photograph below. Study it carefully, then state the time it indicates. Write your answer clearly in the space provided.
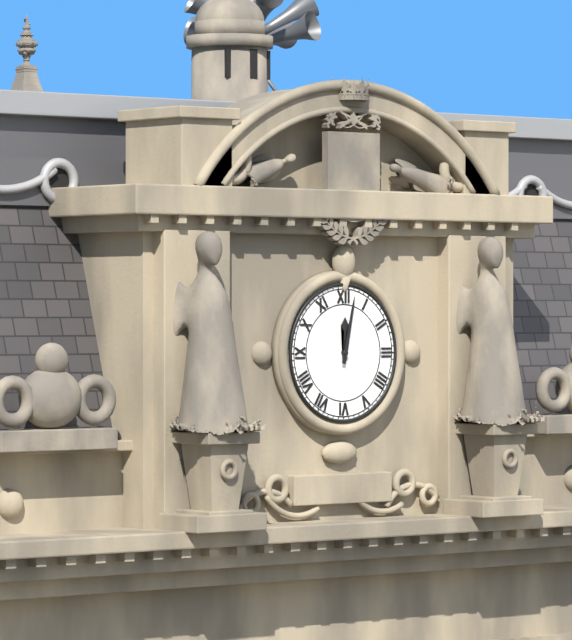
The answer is 12:02
